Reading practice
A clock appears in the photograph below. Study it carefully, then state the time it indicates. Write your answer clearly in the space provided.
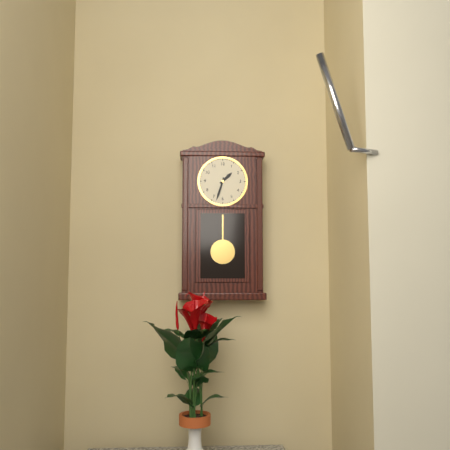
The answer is 1:33
